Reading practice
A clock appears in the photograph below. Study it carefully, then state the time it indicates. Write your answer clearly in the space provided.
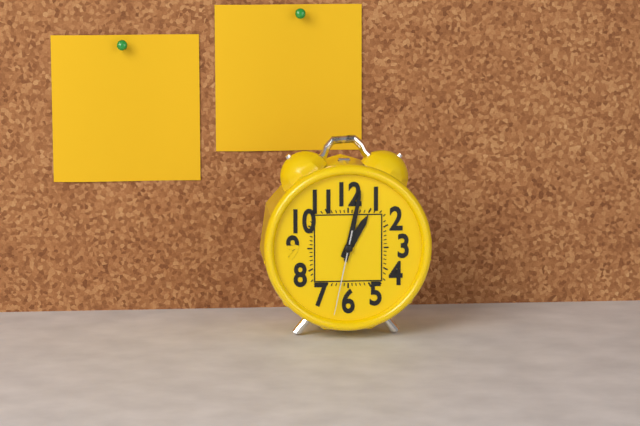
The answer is 1:02:32
